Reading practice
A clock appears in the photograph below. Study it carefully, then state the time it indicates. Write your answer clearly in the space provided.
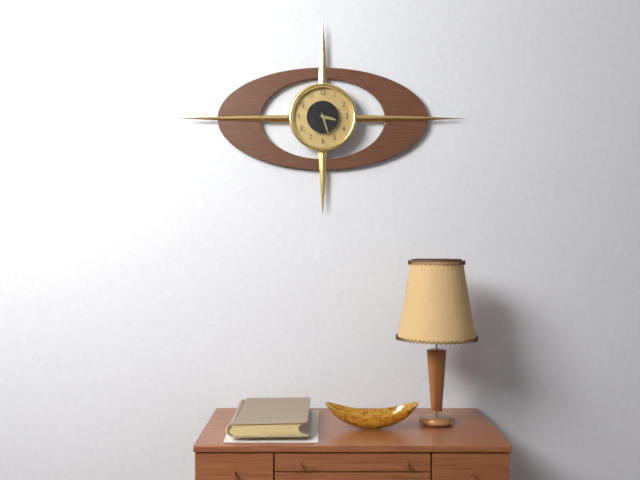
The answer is 3:27
